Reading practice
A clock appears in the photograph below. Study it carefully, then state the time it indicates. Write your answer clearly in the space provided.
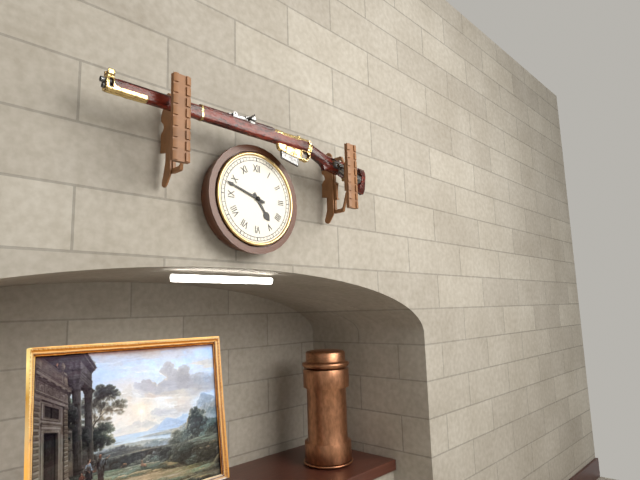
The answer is 4:48
